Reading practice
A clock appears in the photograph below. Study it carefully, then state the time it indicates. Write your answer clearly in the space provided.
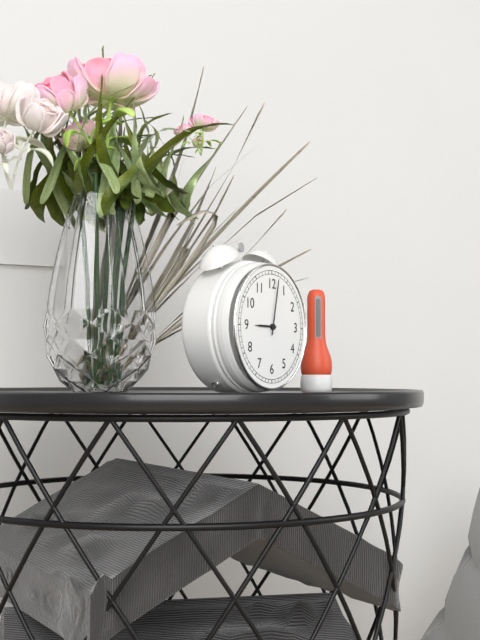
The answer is 9:02
